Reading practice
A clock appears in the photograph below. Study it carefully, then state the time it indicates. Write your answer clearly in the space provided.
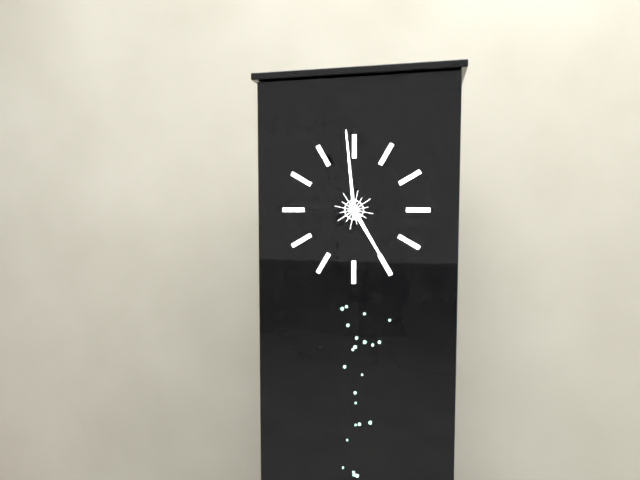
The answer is 4:59
